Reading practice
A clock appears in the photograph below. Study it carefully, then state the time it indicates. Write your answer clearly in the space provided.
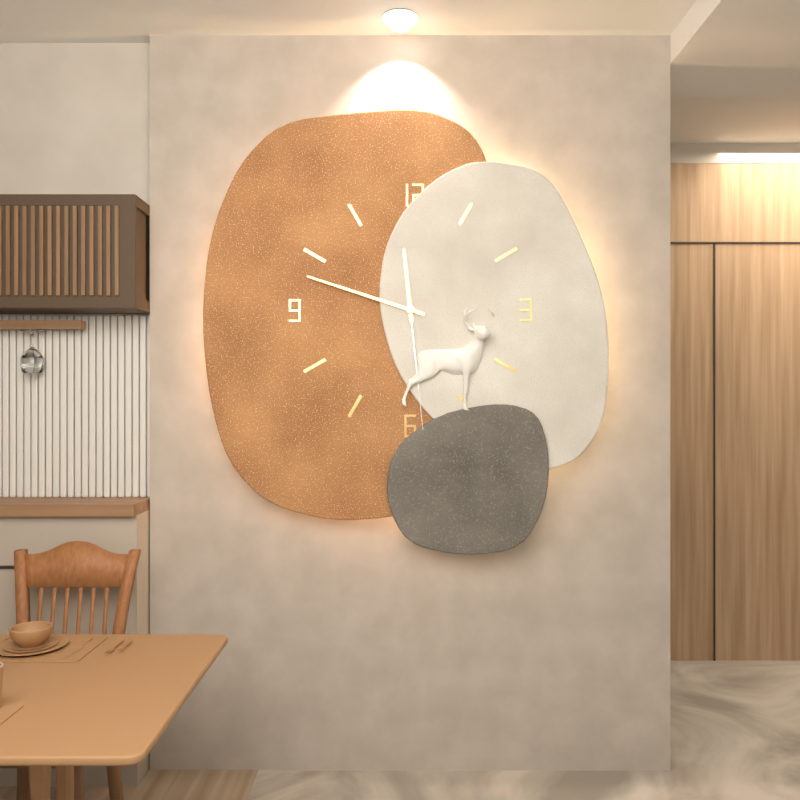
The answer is 11:48:29
